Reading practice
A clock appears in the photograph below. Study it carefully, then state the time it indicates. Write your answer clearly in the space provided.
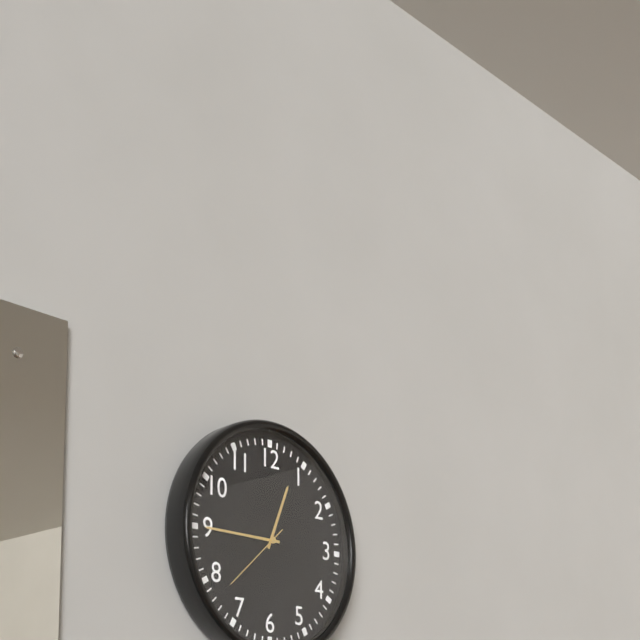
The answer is 12:45:38
